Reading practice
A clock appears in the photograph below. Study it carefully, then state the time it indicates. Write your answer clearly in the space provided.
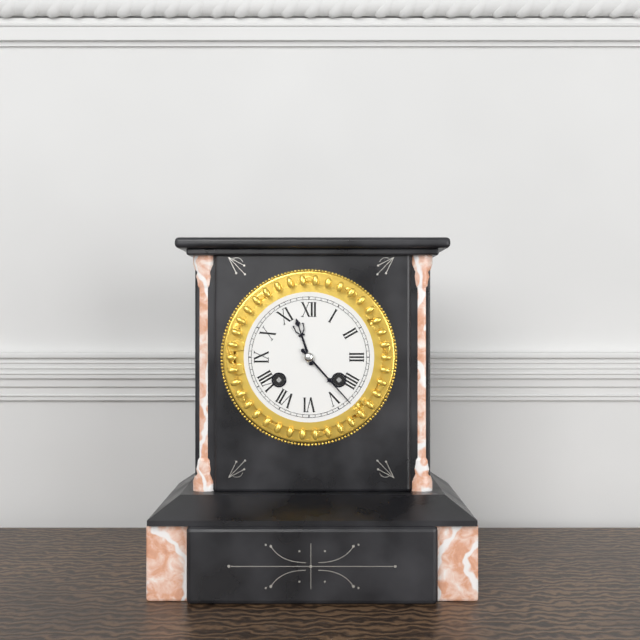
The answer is 11:23
